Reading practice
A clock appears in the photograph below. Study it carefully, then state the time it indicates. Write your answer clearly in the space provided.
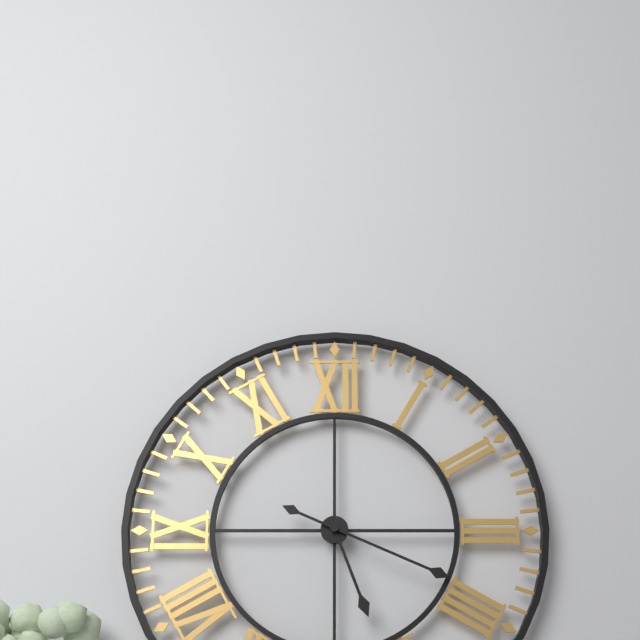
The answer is 5:19
